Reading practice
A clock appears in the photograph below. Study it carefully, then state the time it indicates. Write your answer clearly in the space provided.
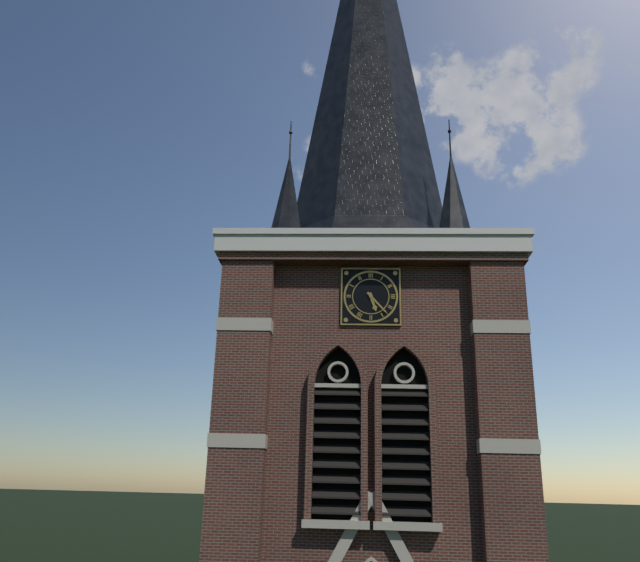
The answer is 5:23
